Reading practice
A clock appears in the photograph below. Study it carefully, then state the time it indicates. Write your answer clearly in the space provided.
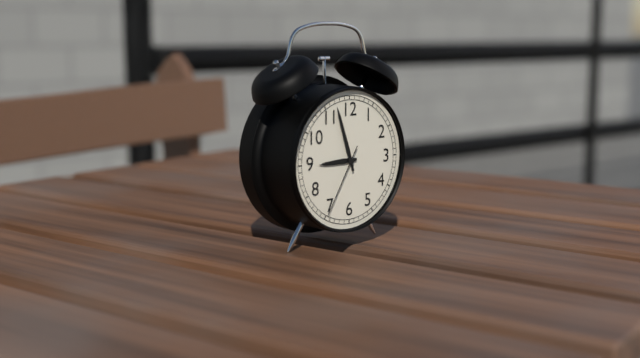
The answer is 8:57:35
